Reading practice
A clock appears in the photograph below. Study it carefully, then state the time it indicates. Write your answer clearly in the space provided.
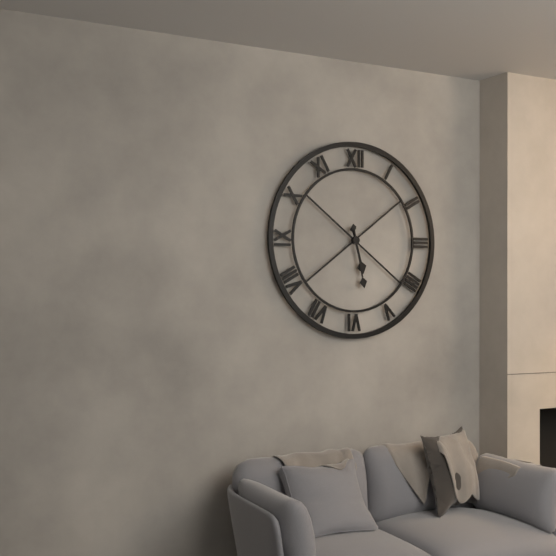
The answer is 5:28
